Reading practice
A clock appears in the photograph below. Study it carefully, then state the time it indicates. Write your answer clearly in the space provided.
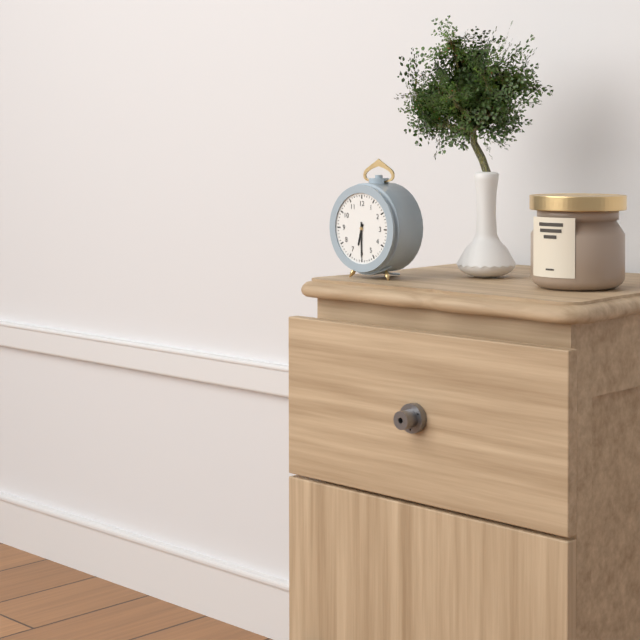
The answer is 6:30
